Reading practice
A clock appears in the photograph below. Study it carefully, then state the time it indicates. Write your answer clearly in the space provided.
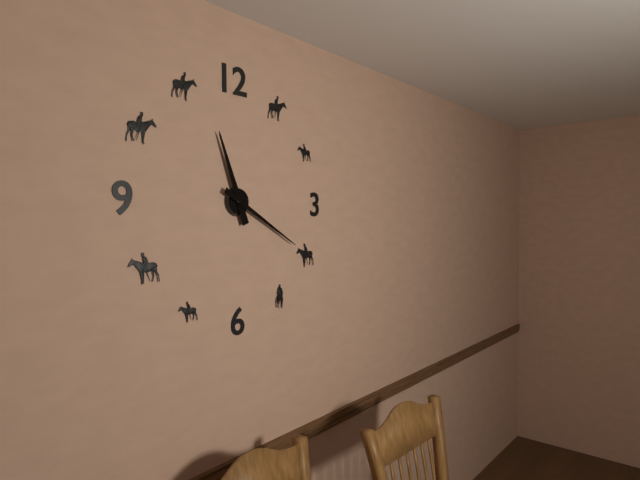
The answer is 11:20
